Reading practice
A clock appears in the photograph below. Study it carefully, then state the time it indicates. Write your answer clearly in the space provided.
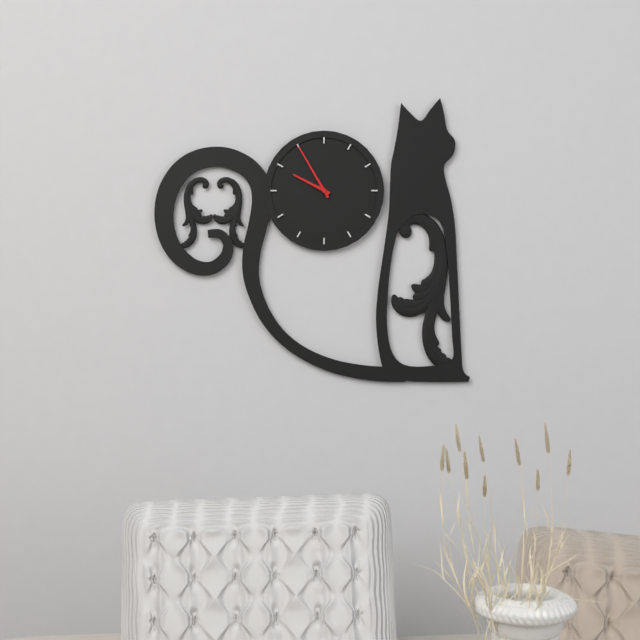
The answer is 9:55
